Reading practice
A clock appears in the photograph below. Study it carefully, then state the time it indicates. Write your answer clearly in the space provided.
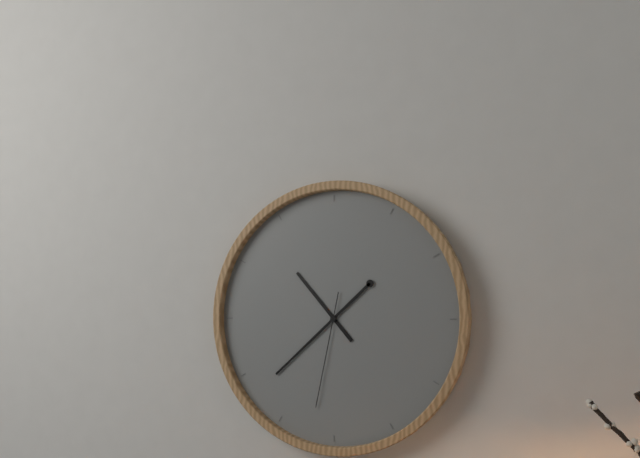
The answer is 10:38:32
